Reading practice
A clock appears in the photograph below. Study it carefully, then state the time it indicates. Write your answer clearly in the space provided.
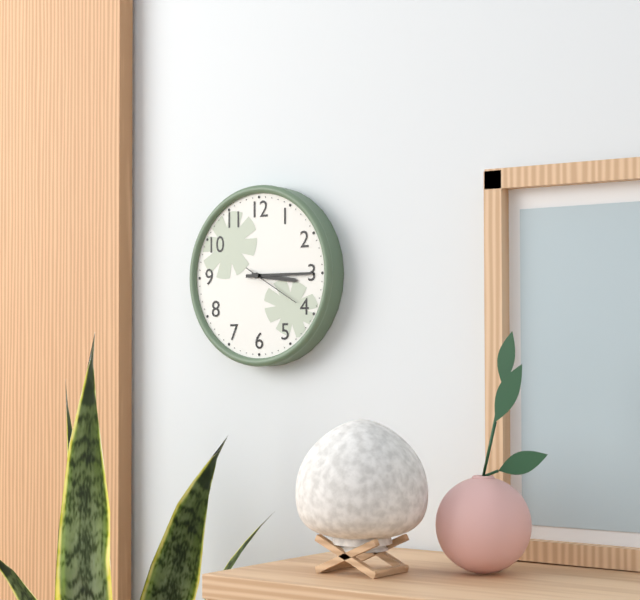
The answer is 3:15:20
